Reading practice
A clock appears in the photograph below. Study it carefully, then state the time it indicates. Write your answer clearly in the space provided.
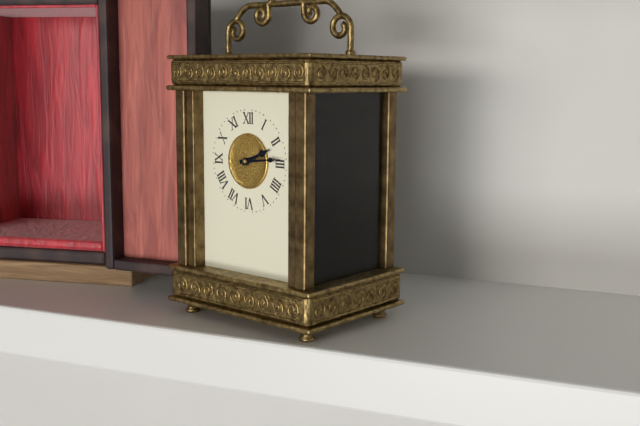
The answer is 2:14
